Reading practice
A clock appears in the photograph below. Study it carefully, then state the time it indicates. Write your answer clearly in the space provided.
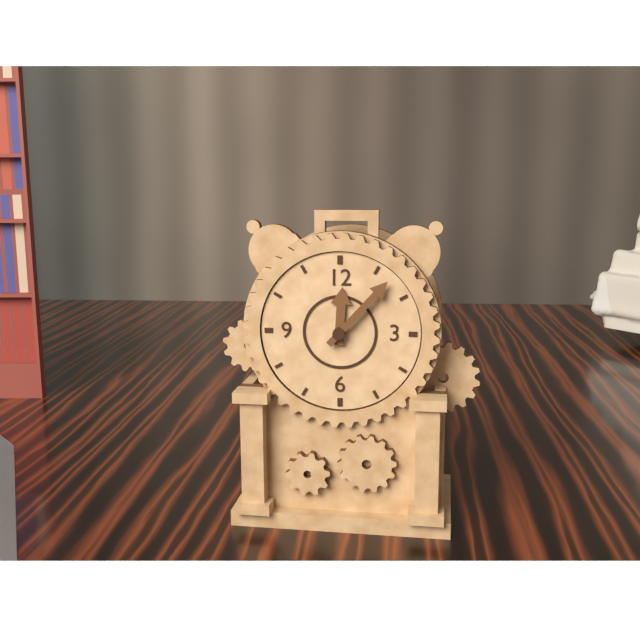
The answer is 12:07
